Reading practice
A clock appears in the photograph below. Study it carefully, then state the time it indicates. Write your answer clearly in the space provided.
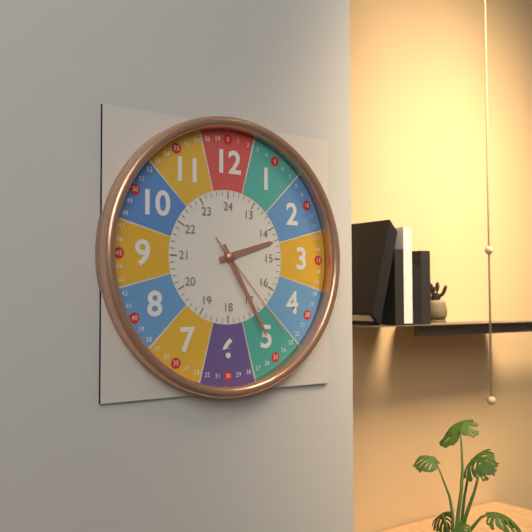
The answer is 2:25:23
